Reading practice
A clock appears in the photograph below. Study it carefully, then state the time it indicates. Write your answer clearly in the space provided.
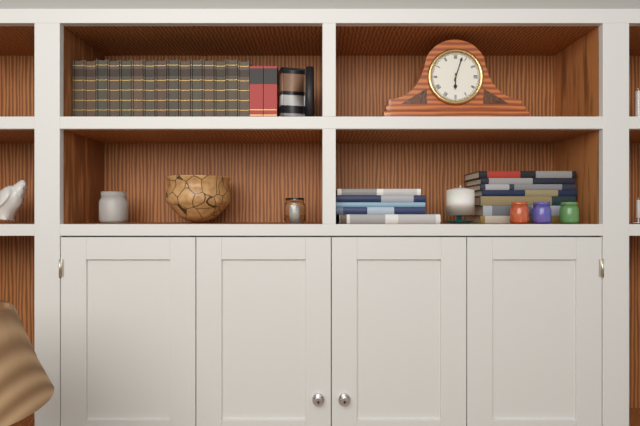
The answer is 6:03
